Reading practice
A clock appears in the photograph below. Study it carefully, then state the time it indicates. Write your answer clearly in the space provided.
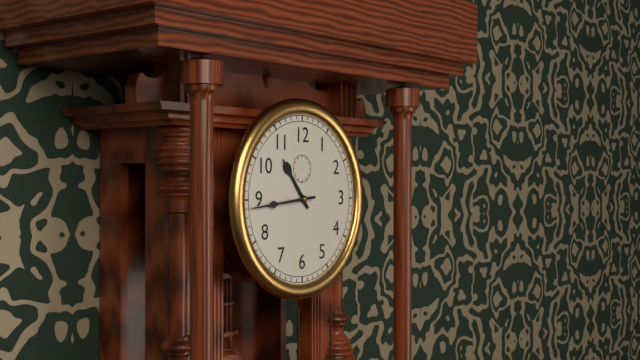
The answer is 10:44
